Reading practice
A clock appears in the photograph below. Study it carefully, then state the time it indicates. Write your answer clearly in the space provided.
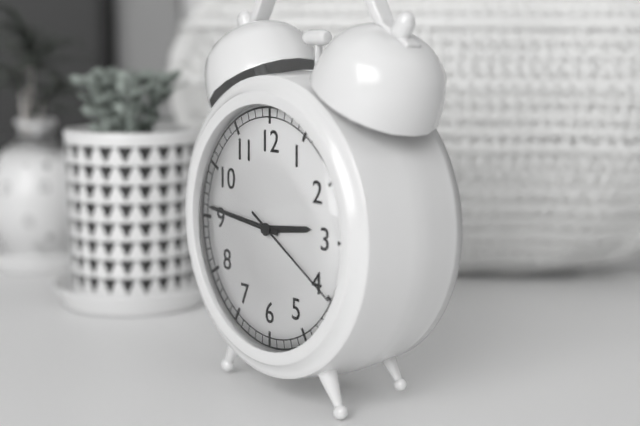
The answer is 2:46:20
